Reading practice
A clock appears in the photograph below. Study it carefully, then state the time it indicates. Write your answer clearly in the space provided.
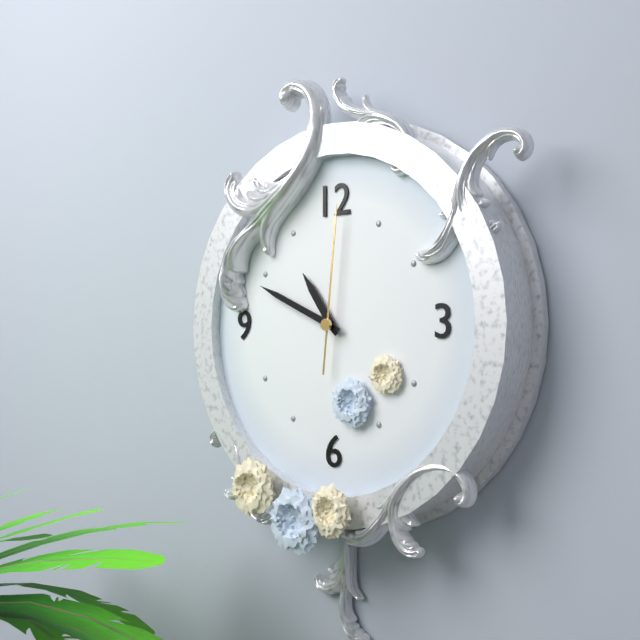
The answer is 10:49:01
